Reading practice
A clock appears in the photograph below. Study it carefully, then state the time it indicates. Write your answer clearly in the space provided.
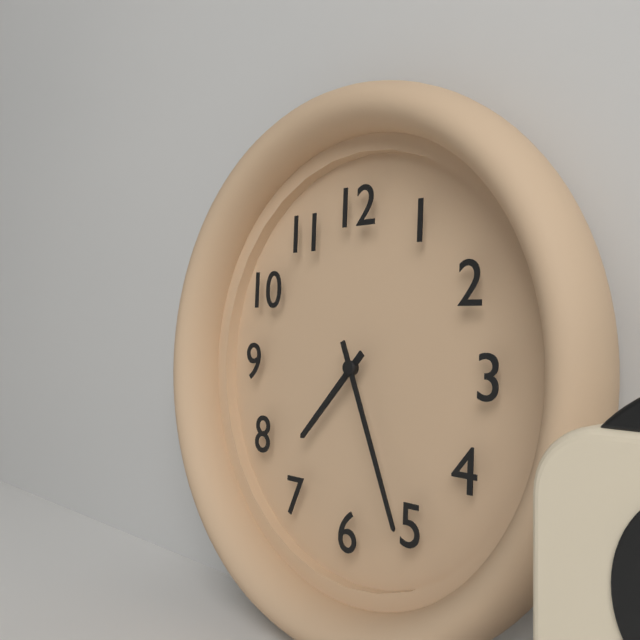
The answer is 7:26
